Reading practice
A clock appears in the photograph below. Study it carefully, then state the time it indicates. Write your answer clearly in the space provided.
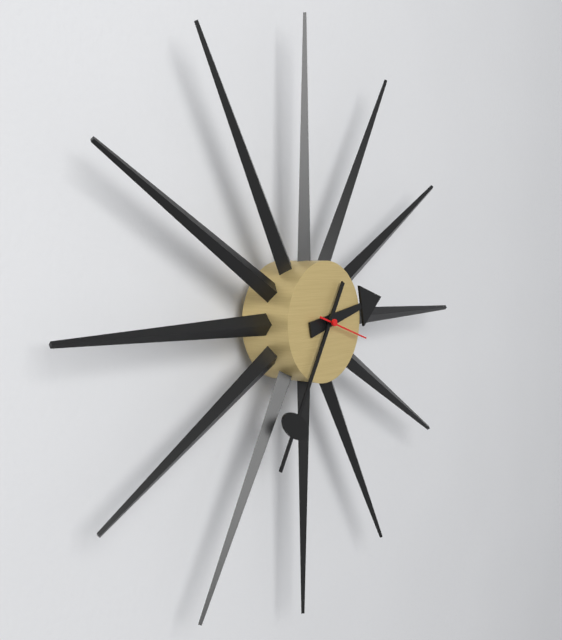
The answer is 2:35:18
